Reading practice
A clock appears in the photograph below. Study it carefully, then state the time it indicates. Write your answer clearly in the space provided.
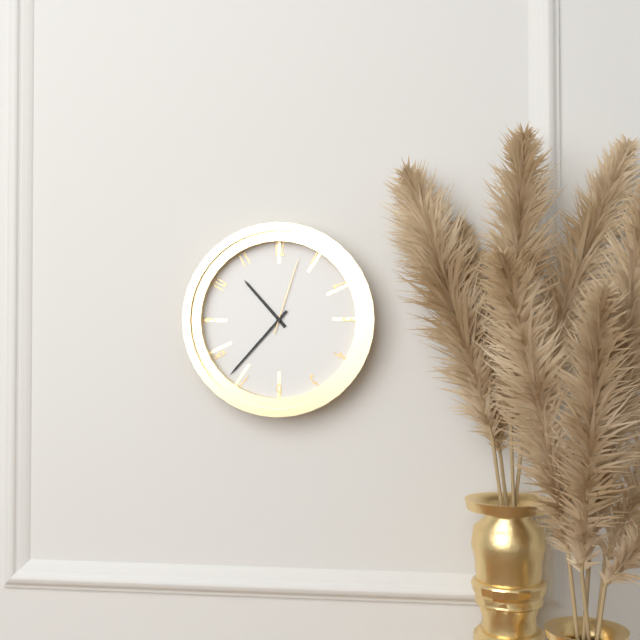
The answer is 10:37:03
